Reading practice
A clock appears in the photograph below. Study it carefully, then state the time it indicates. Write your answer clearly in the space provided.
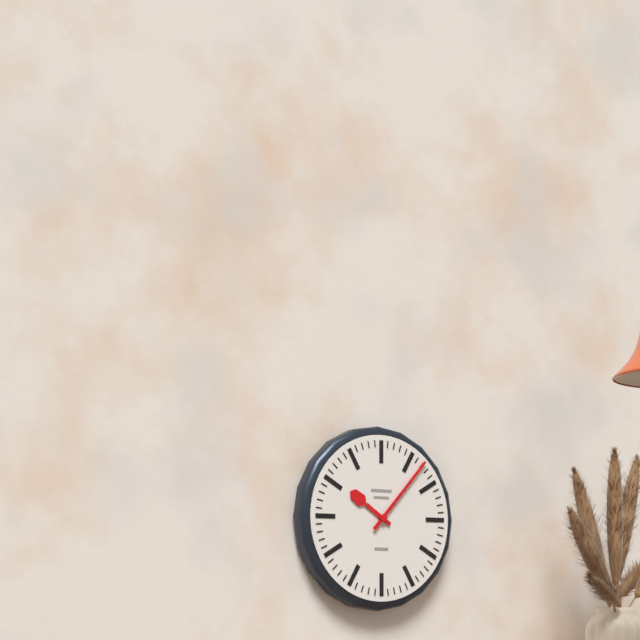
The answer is 10:07
